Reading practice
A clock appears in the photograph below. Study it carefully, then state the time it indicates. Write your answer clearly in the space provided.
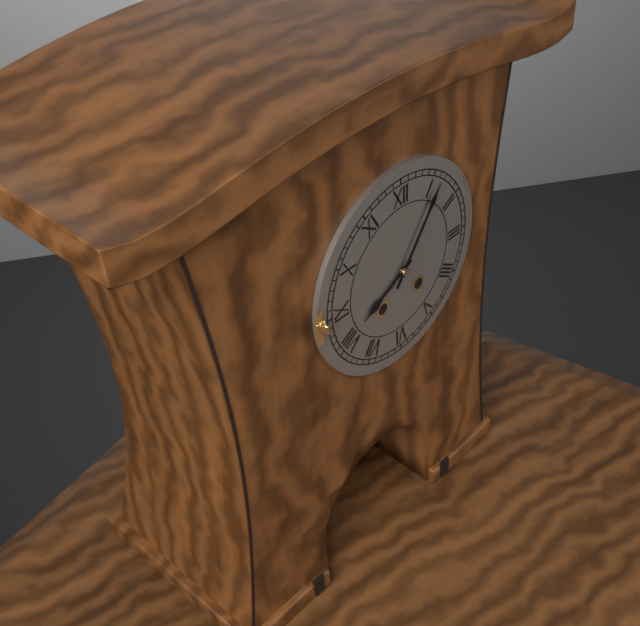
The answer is 8:06
